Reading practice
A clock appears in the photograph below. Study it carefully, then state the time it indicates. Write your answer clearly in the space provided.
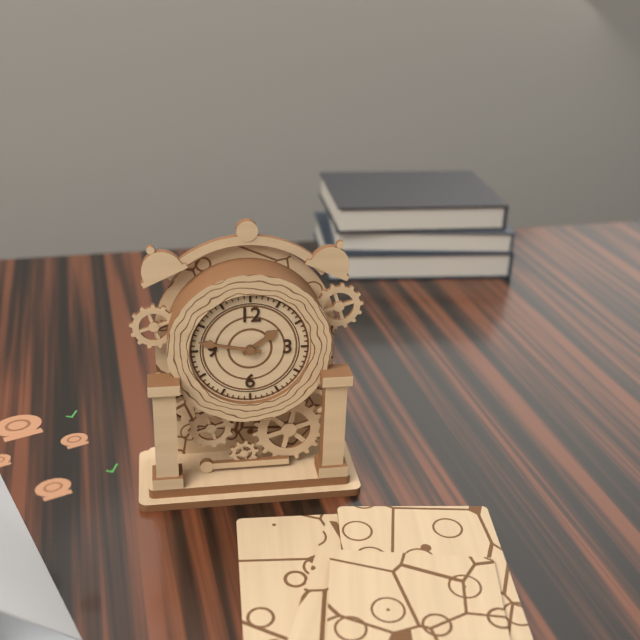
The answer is 1:47
